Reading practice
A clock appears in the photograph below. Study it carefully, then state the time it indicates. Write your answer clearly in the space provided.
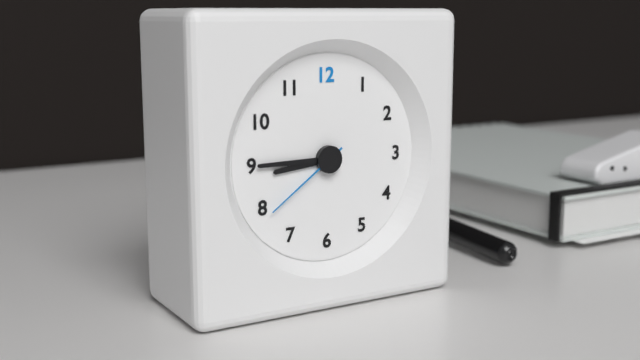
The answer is 8:45:39
